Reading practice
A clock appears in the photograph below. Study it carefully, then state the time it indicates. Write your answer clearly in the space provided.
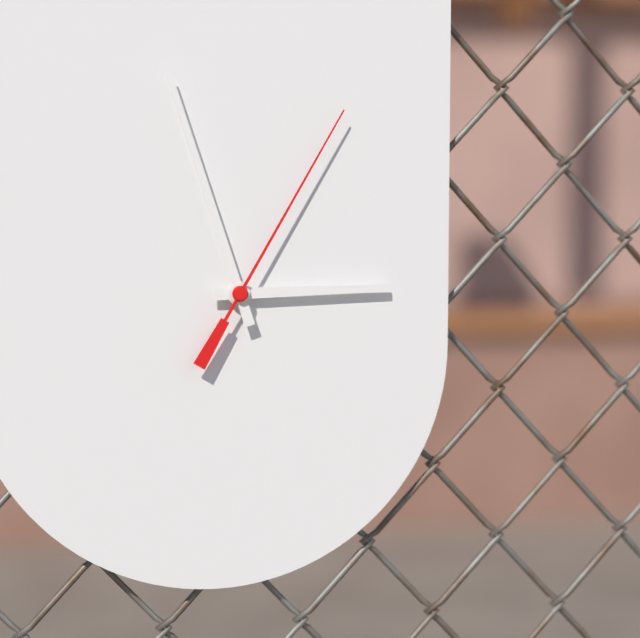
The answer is 2:57:05
